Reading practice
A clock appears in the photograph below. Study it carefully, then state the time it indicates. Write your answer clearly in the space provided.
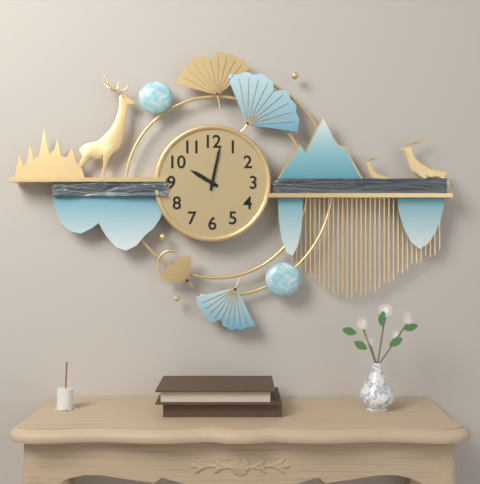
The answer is 10:02
